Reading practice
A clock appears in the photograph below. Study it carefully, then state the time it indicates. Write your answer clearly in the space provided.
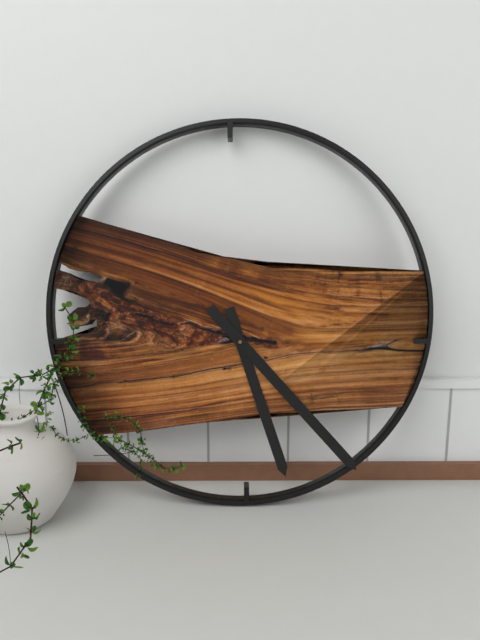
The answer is 5:23
